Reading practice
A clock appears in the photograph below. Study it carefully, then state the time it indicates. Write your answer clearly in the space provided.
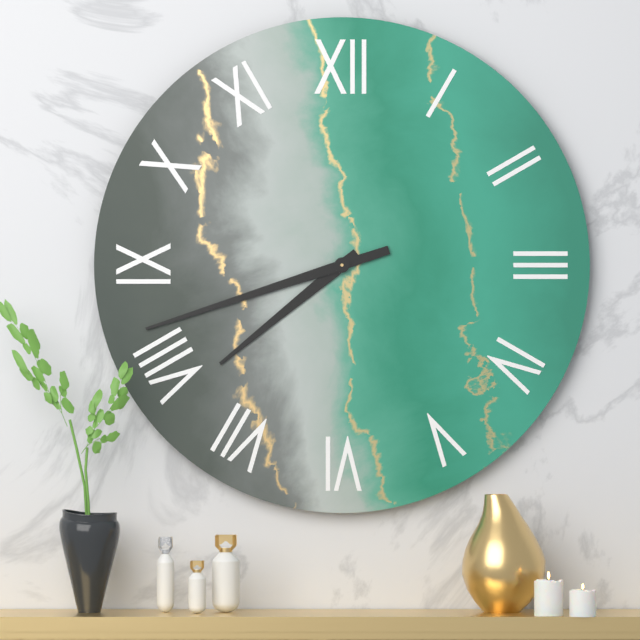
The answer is 7:42
